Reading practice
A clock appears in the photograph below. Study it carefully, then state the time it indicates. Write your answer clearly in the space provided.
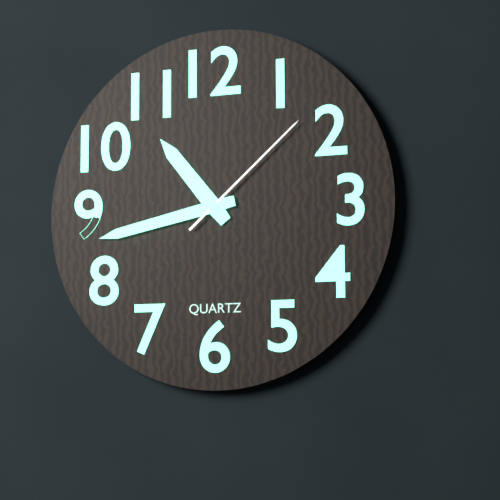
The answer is 10:43:08
